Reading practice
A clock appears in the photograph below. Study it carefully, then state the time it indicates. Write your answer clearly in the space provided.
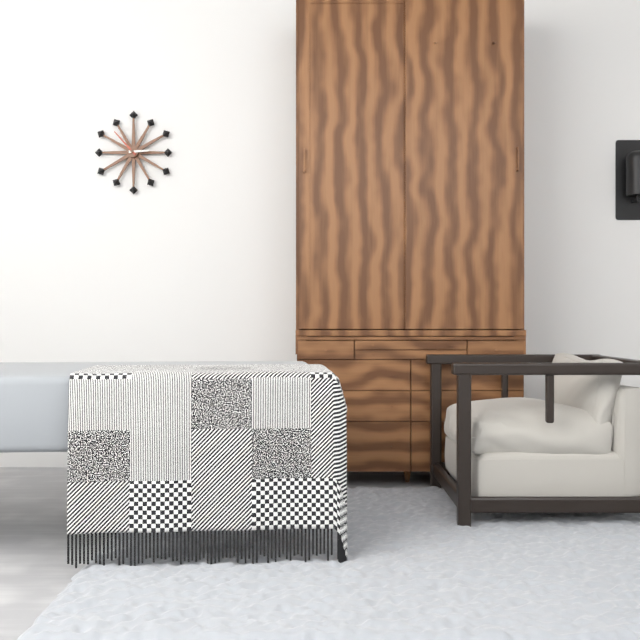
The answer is 2:53
